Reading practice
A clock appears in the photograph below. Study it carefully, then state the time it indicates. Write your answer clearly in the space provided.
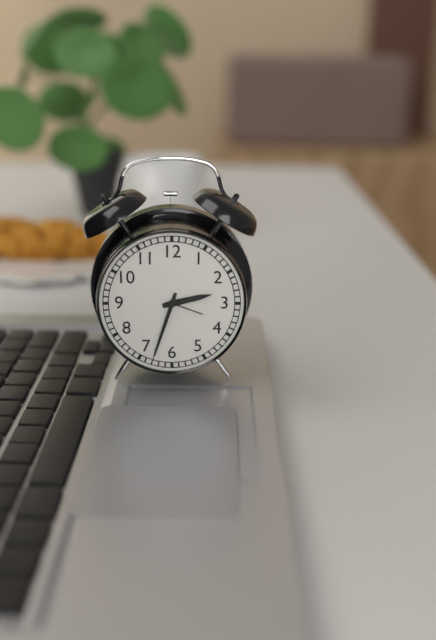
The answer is 2:33
